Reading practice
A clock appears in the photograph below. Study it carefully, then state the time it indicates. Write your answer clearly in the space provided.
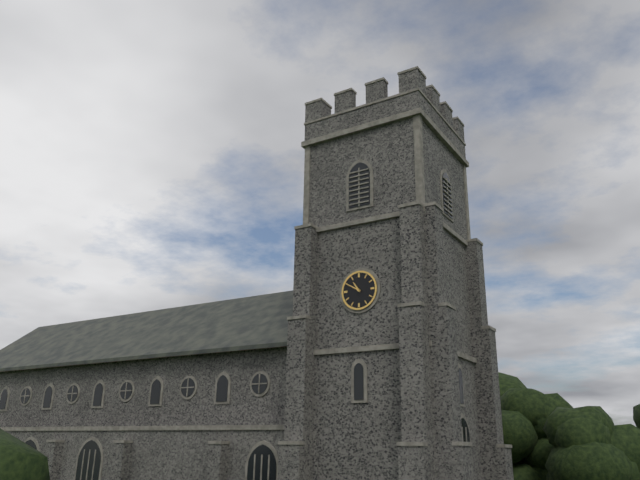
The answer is 10:50
